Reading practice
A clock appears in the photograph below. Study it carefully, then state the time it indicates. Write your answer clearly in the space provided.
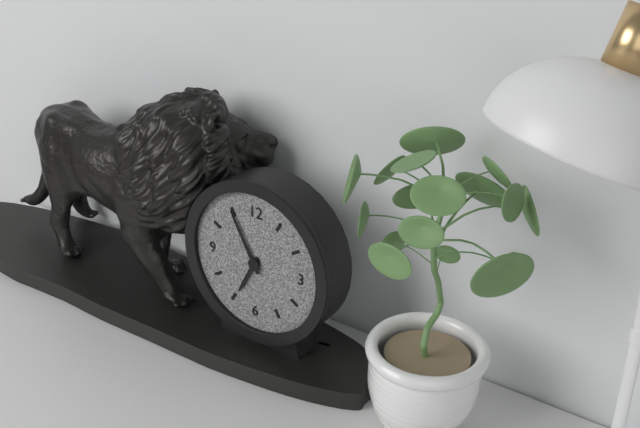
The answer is 6:55
